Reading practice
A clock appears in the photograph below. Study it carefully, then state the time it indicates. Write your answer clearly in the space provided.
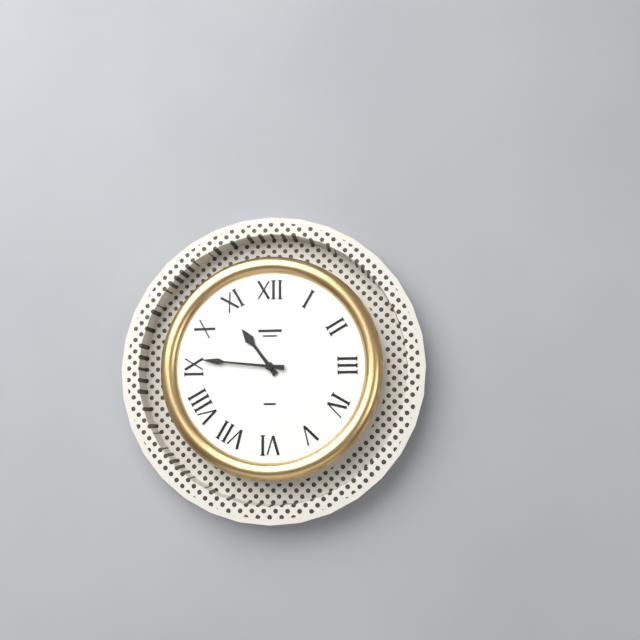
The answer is 10:46
